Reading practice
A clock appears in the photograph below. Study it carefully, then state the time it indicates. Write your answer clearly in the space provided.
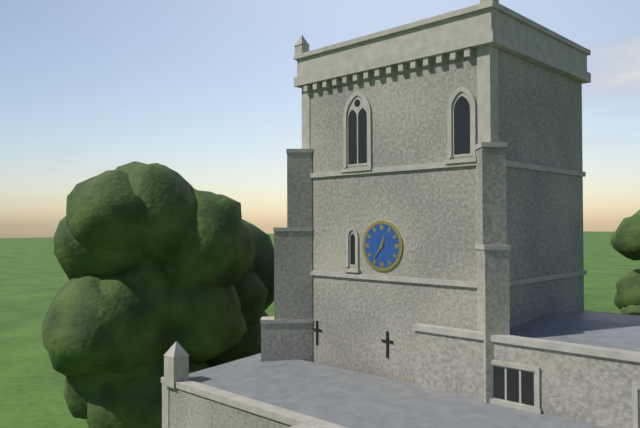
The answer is 12:36
